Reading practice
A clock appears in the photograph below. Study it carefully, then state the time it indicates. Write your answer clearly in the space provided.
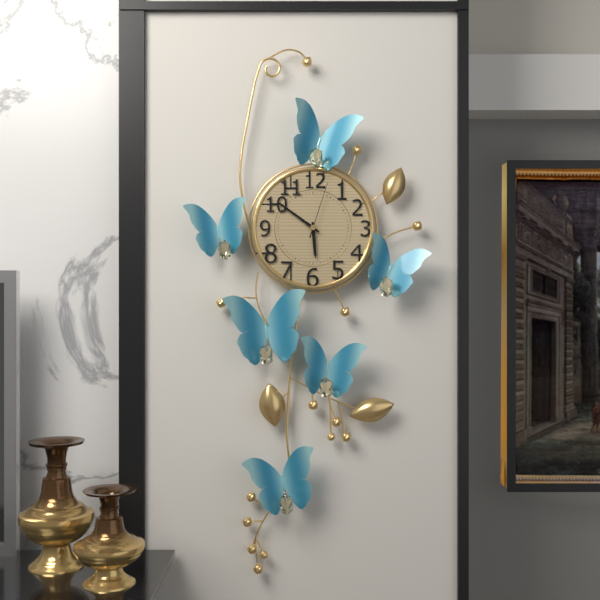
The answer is 5:51:03
